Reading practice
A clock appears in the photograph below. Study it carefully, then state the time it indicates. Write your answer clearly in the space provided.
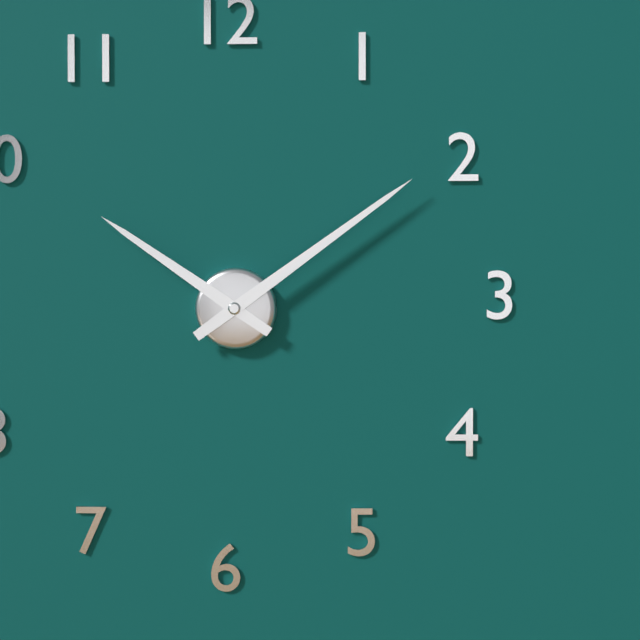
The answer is 10:09
